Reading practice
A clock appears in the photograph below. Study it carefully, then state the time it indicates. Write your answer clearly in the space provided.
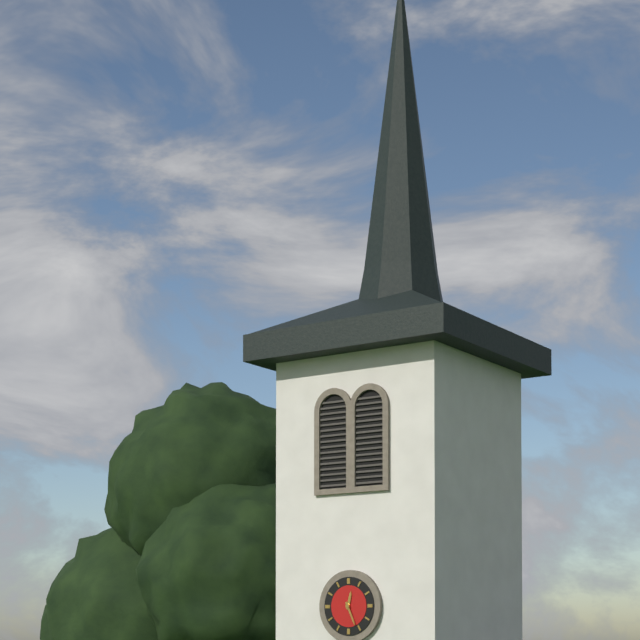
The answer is 12:26
